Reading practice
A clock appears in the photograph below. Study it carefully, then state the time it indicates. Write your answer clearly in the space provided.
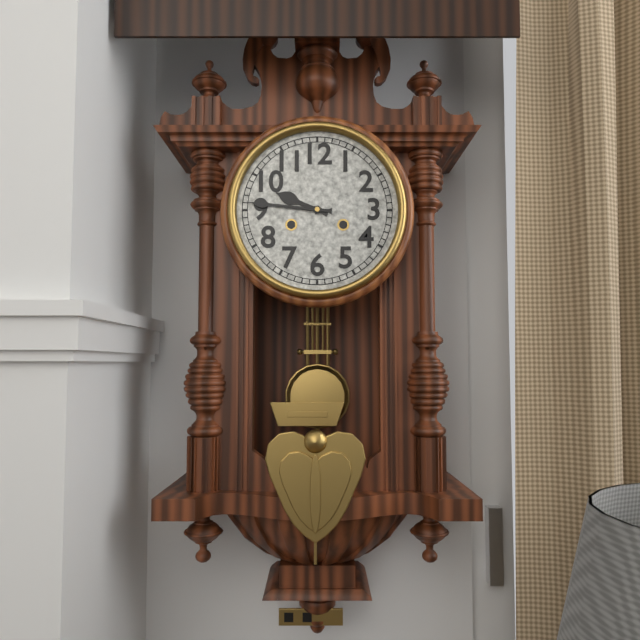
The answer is 9:46
